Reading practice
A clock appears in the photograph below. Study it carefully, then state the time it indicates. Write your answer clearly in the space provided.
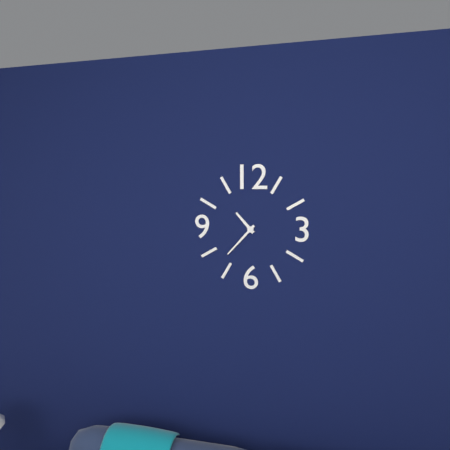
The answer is 10:37
